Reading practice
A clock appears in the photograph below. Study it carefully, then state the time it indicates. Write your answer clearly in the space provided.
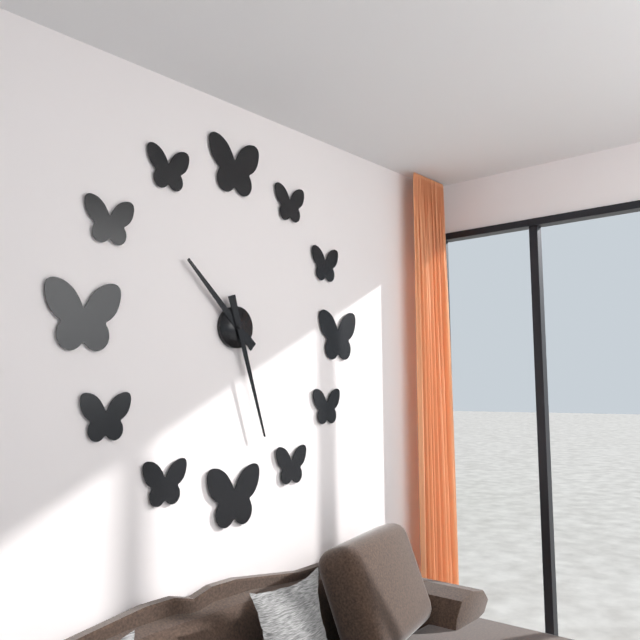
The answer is 10:27
